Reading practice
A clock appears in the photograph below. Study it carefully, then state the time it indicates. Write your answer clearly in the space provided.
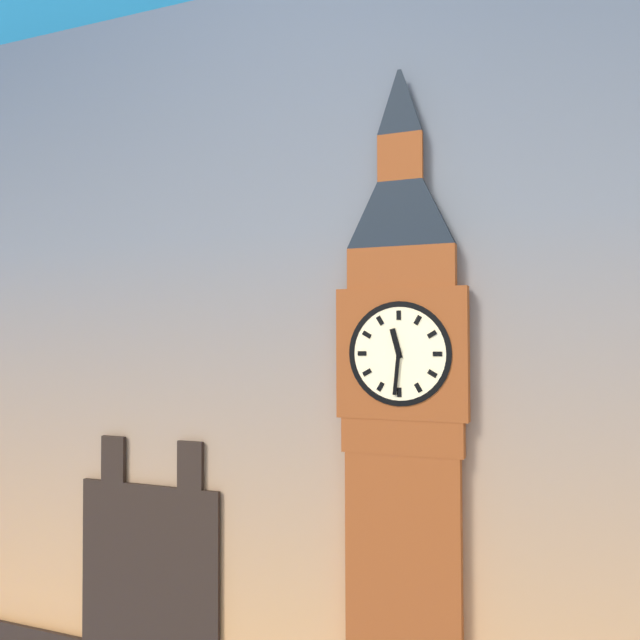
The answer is 11:31
